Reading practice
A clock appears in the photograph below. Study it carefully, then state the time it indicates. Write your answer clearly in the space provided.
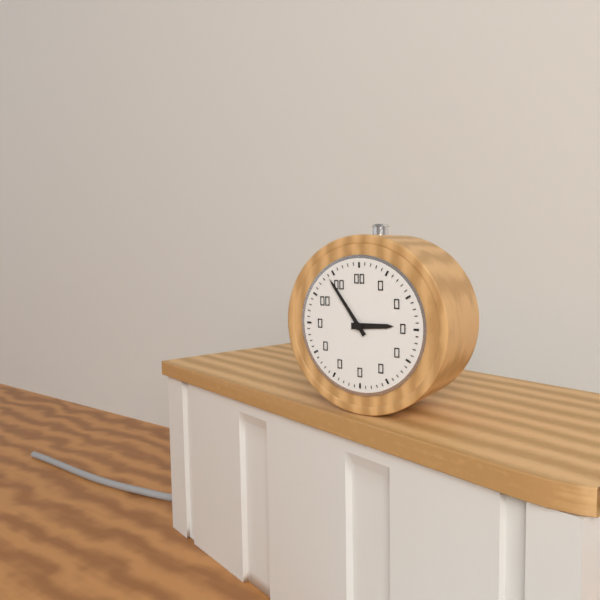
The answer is 2:54
